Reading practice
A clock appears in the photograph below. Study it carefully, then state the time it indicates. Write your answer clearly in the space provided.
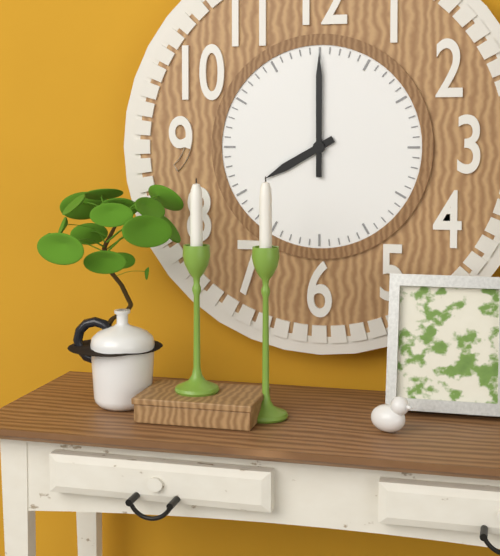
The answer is 8:00
